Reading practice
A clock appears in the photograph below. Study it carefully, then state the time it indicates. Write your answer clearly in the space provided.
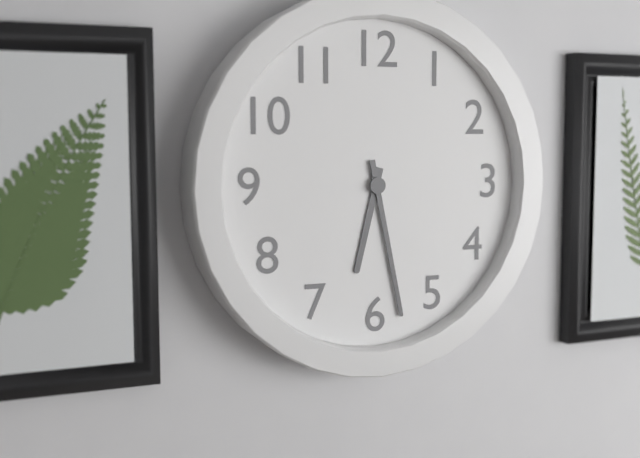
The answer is 6:28
